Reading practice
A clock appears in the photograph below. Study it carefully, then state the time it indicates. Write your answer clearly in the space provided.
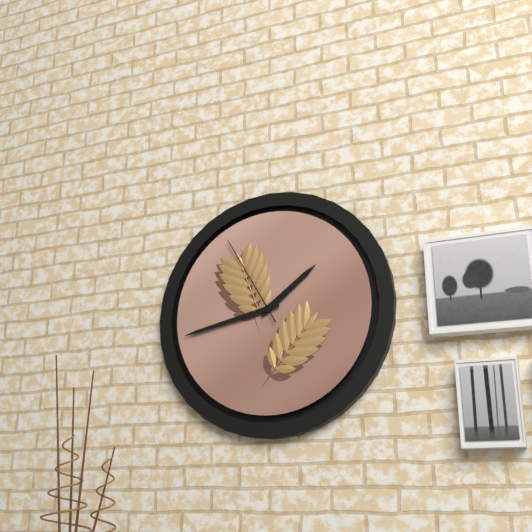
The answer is 1:43:55
